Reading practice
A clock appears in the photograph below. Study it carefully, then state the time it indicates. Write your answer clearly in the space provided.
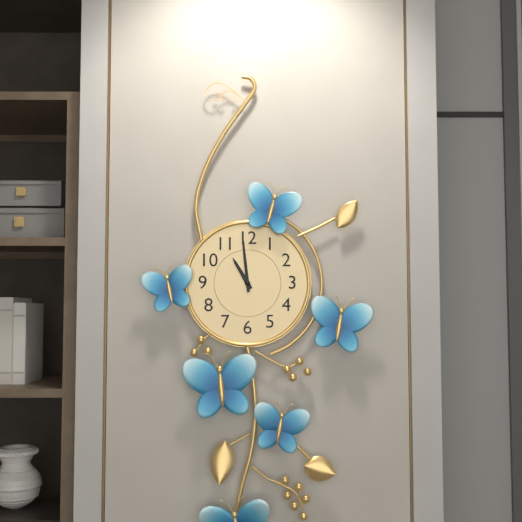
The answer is 10:59
